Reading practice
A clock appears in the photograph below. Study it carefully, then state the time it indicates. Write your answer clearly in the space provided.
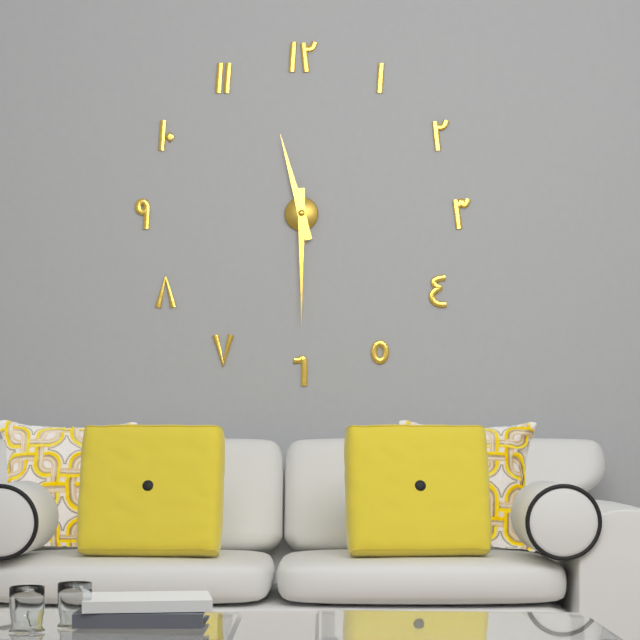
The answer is 11:30
